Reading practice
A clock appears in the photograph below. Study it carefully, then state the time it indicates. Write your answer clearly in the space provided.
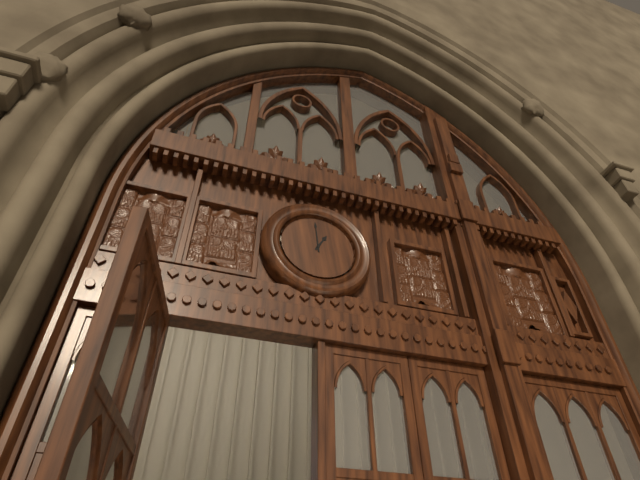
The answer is 12:59
